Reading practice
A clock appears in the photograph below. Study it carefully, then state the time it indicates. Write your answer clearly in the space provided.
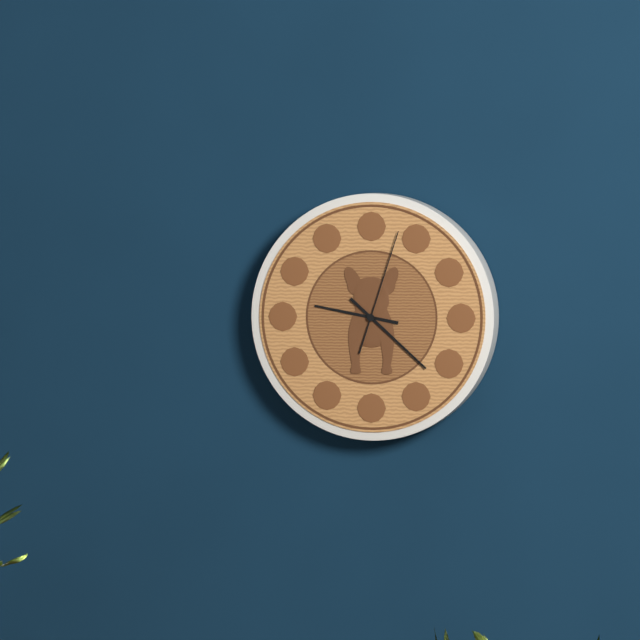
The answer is 9:22:03
